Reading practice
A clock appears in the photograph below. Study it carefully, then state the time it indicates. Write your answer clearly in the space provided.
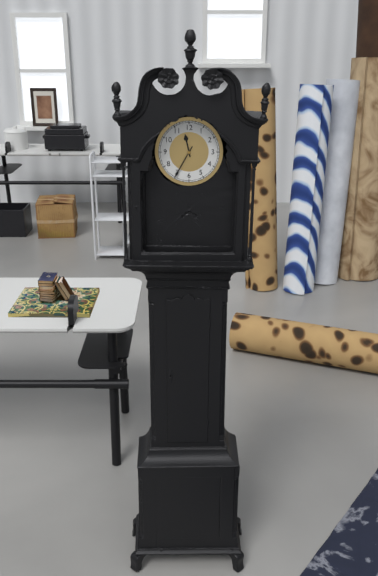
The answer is 11:35
